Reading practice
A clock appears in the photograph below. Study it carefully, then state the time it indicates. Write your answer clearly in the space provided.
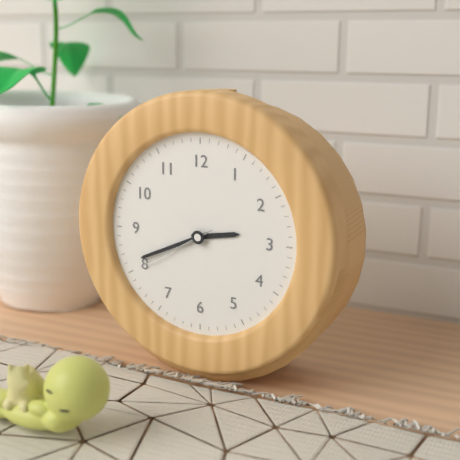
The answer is 2:41:40
